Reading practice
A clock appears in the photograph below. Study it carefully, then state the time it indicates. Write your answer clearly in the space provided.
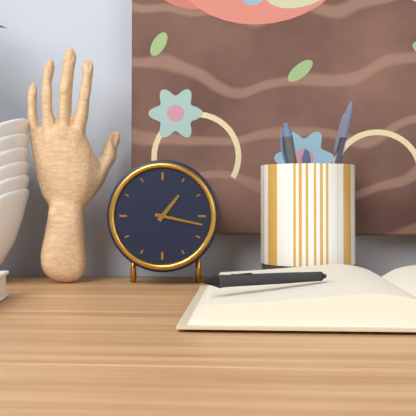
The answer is 1:17
